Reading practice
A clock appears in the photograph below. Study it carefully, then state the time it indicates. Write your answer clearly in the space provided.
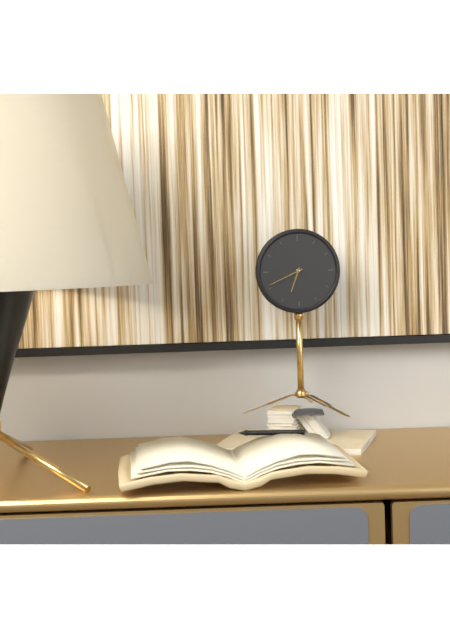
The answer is 6:41
